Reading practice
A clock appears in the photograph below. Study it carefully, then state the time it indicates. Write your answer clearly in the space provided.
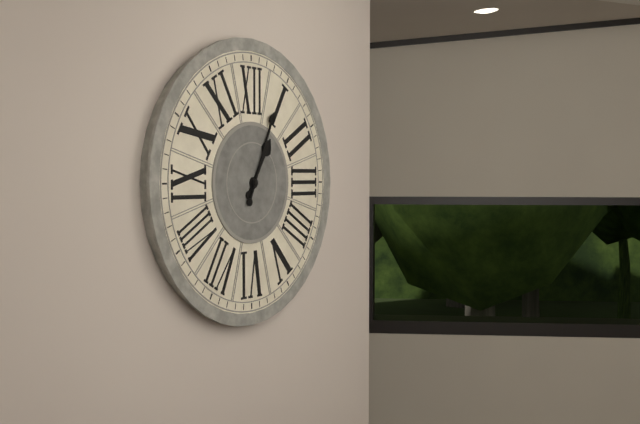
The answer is 1:04
